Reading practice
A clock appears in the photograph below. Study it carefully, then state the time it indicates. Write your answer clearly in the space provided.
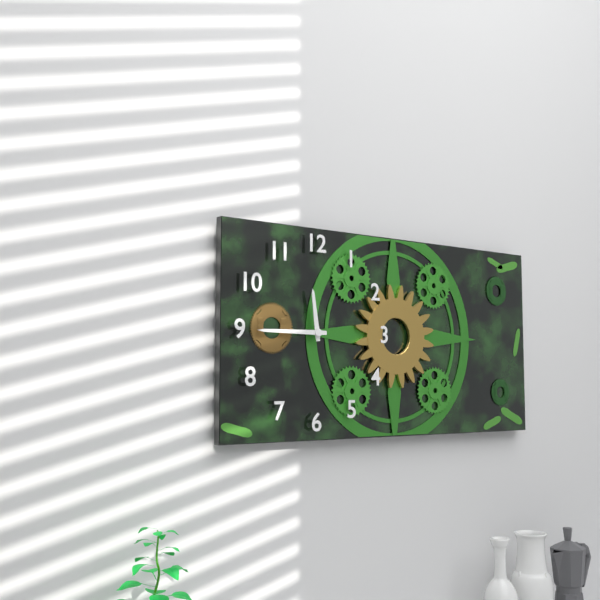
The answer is 11:45
